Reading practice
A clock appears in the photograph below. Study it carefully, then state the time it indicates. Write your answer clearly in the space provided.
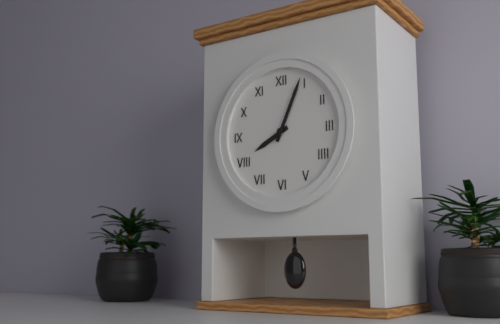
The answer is 8:04
